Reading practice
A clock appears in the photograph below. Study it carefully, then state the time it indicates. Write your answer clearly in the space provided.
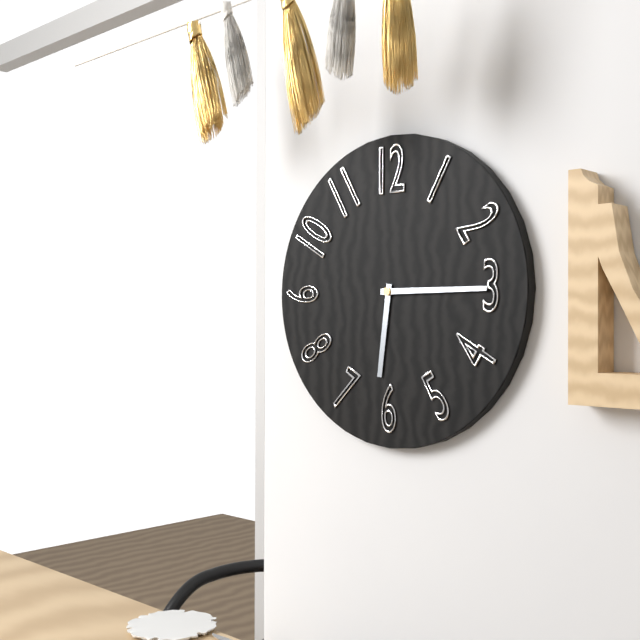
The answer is 6:15
